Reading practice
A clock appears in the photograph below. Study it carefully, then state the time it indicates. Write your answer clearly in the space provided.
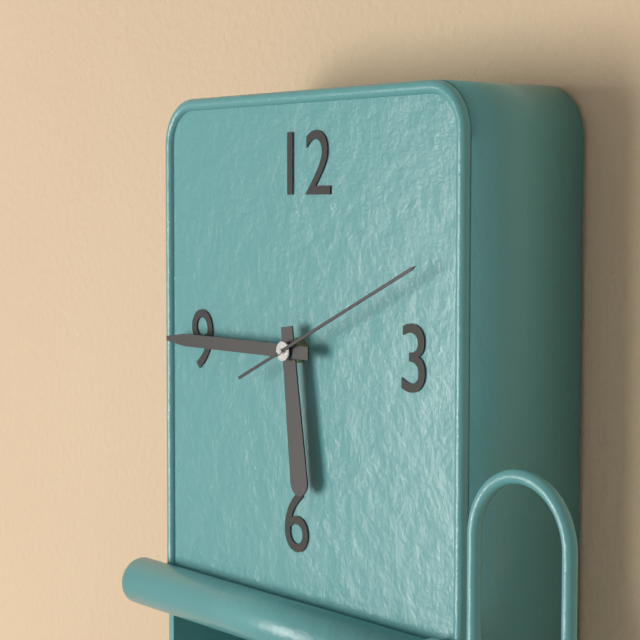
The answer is 5:45:11
